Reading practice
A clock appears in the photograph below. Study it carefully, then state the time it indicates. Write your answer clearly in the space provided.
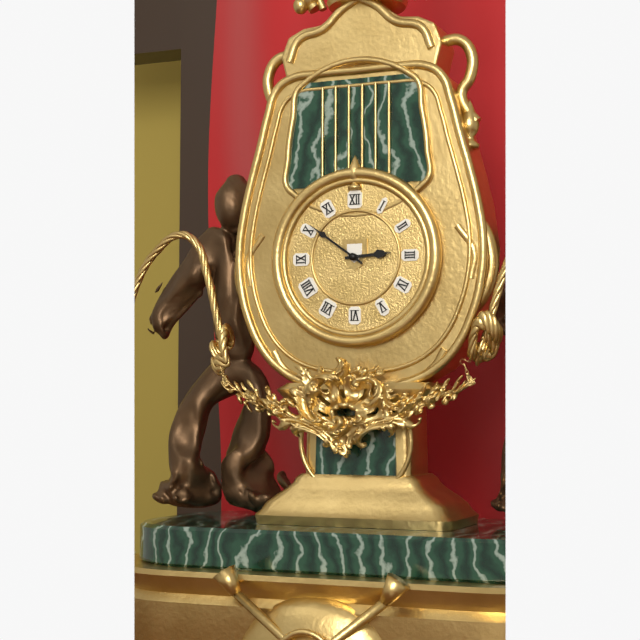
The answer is 2:51
